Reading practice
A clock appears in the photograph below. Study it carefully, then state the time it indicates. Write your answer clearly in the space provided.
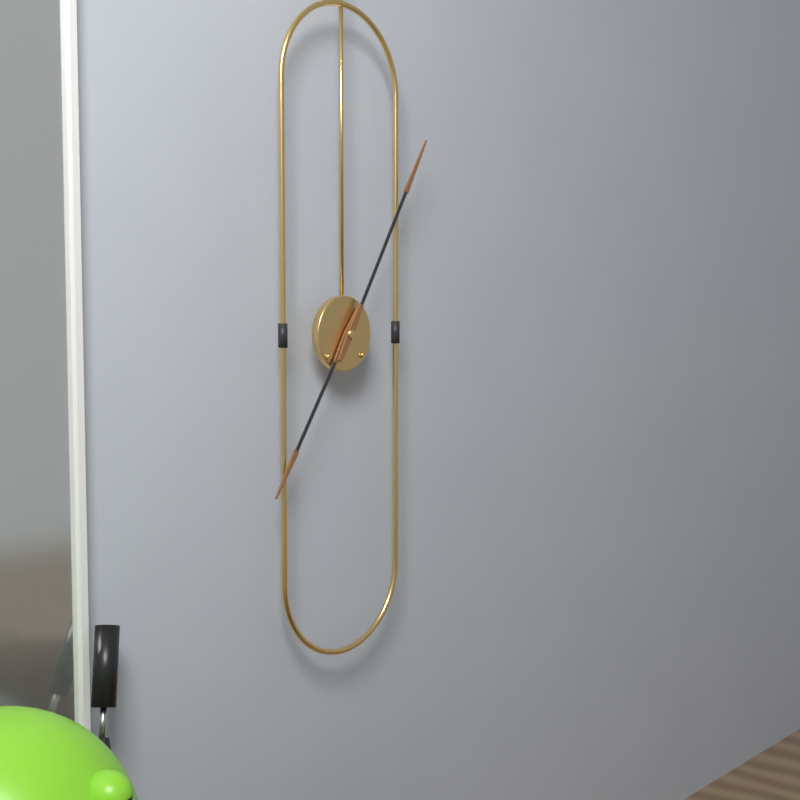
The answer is 7:05
